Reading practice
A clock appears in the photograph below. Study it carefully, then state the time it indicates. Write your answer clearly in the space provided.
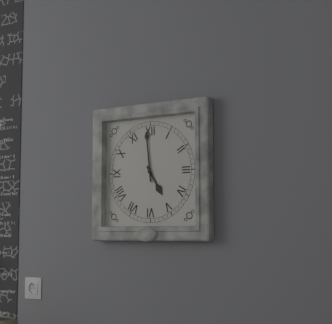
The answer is 4:59
